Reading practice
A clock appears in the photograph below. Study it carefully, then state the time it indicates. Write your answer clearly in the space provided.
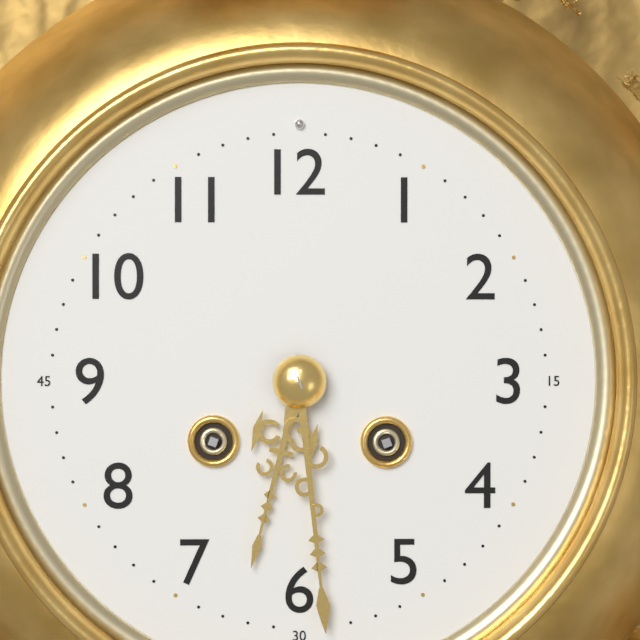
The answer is 6:29
